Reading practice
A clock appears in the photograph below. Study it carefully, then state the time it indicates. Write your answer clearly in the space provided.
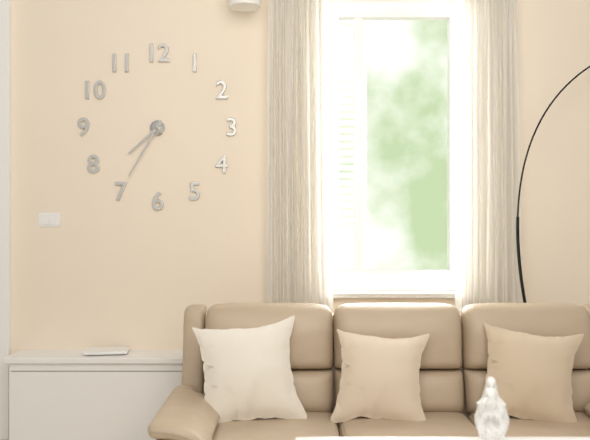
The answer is 7:35
